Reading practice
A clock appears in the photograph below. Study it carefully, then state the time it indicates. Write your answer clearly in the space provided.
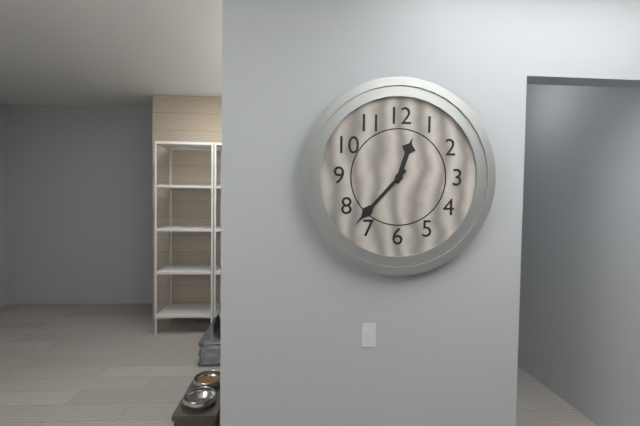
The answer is 12:37
